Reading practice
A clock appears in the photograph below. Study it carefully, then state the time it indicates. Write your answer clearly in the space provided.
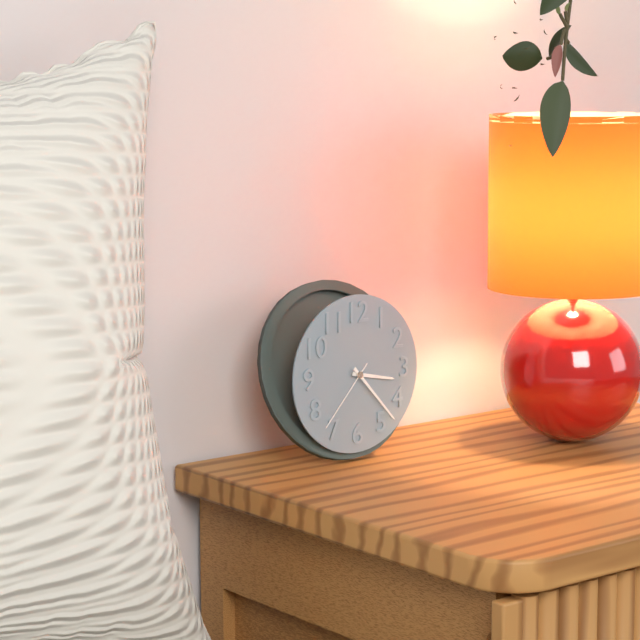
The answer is 3:23:37
